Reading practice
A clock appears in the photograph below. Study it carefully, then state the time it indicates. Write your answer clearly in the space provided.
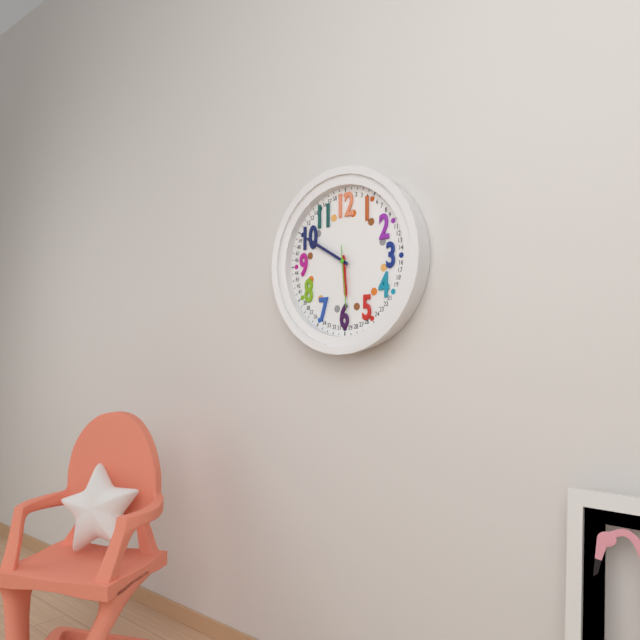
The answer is 5:50:29
